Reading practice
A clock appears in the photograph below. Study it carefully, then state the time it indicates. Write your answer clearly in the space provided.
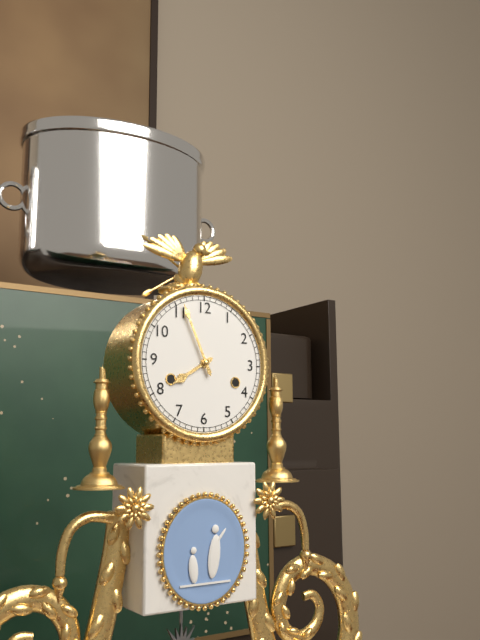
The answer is 7:56
